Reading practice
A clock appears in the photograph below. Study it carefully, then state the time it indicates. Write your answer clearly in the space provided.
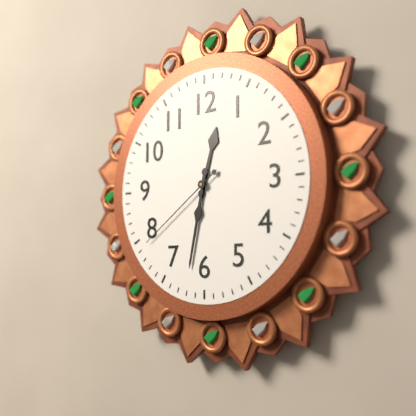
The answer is 12:32:39
